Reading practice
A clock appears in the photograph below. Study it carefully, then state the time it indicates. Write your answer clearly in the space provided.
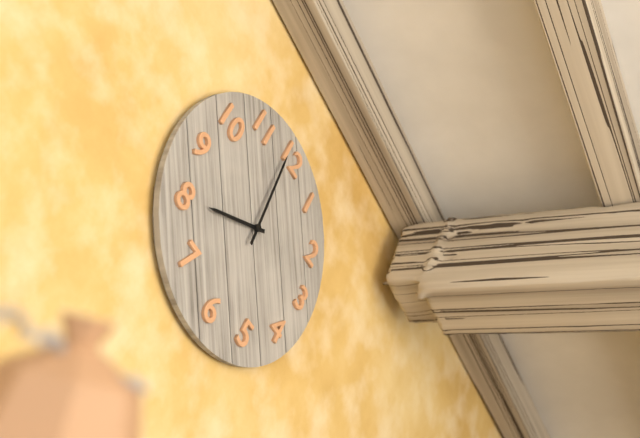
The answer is 7:59
